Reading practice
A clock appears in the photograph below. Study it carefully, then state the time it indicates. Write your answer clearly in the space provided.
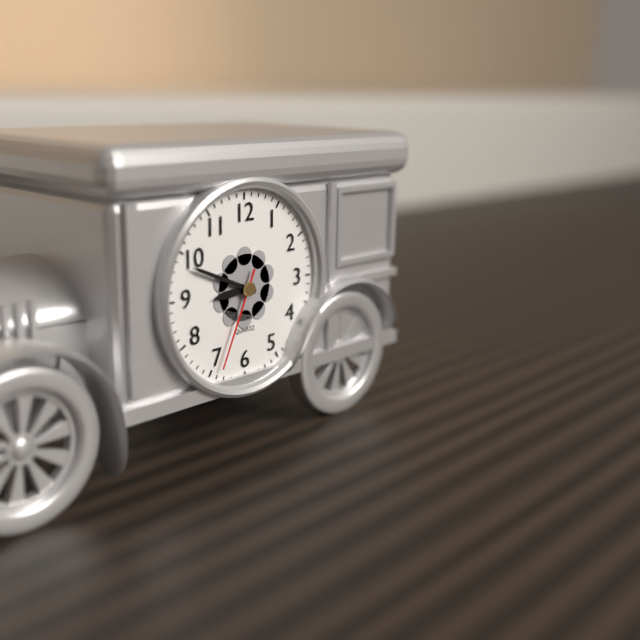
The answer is 8:49:34
